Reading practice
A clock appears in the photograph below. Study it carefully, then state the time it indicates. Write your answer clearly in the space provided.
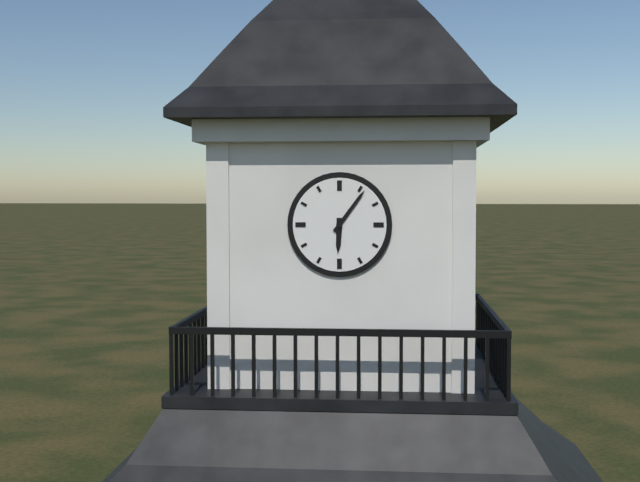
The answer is 6:06
